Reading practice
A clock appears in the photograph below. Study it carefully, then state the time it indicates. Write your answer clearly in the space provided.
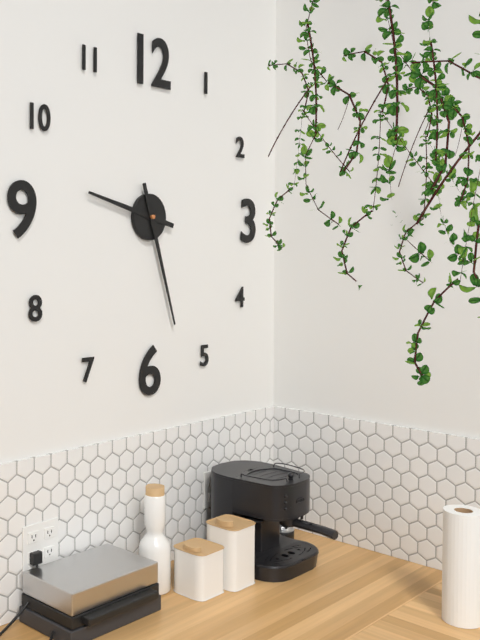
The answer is 9:27
